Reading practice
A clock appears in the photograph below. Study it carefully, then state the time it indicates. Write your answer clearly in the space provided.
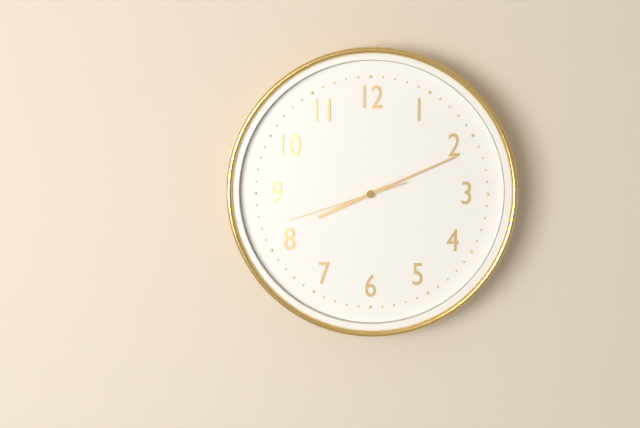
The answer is 8:11:42
